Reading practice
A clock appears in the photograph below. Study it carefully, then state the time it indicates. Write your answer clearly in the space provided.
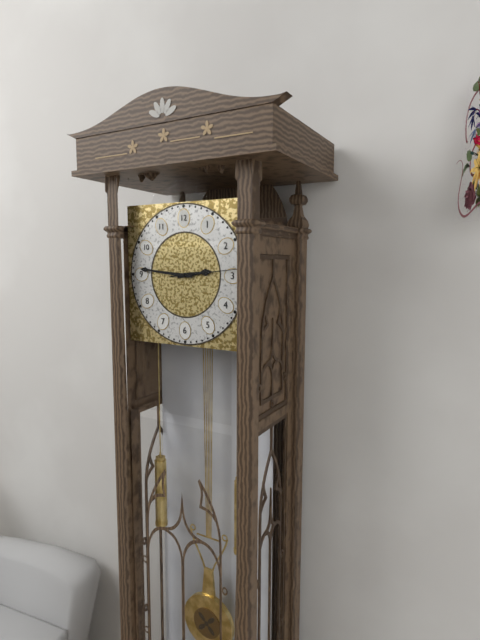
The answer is 2:46:14
